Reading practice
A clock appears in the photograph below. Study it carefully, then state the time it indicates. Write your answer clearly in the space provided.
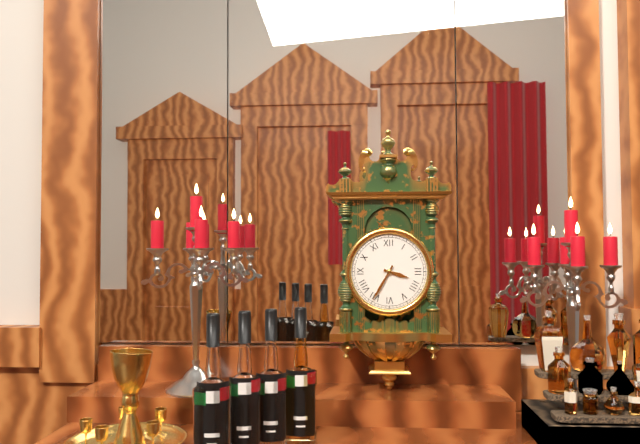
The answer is 3:35
